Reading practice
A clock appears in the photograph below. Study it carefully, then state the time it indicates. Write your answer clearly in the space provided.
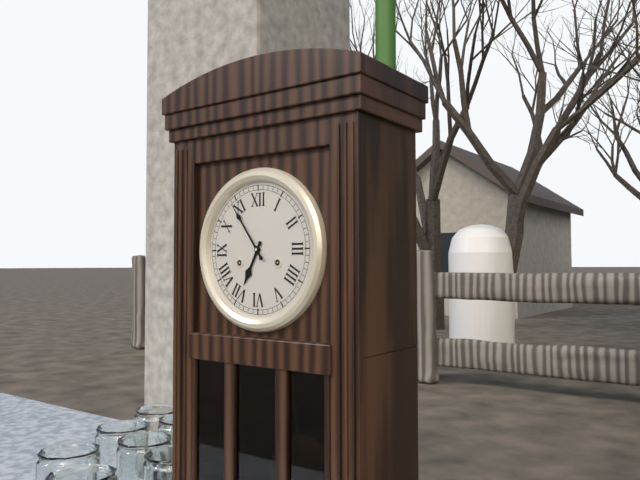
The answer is 6:54
